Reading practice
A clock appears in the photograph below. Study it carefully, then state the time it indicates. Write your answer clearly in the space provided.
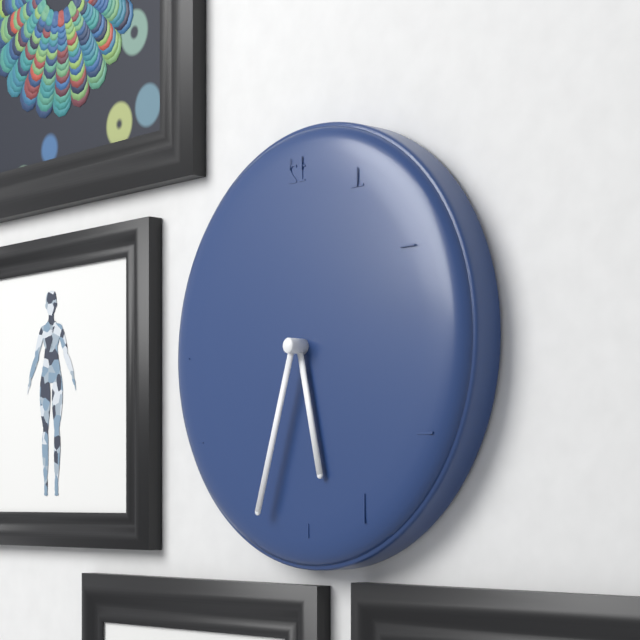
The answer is 5:33
